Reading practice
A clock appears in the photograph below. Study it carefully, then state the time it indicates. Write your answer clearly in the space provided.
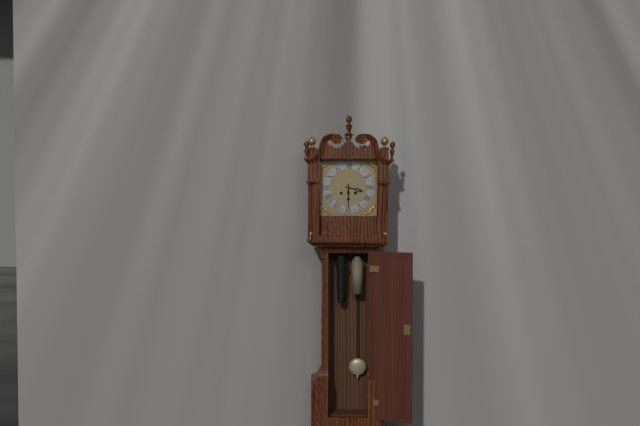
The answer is 3:30
